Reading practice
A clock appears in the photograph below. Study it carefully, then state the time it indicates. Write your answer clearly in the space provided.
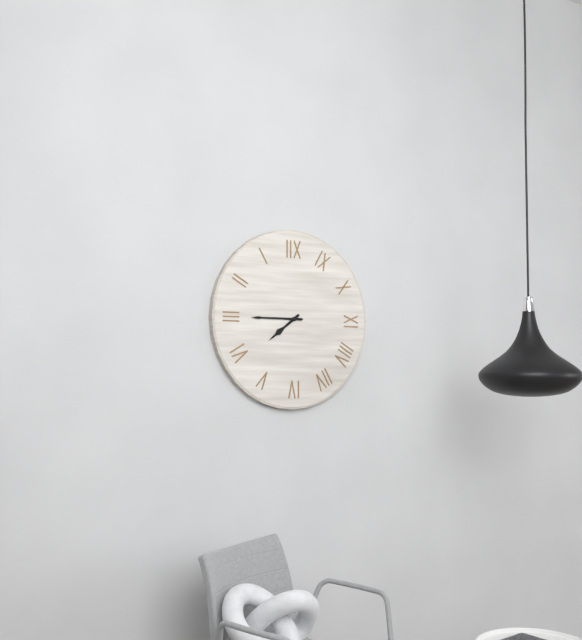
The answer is 7:45
